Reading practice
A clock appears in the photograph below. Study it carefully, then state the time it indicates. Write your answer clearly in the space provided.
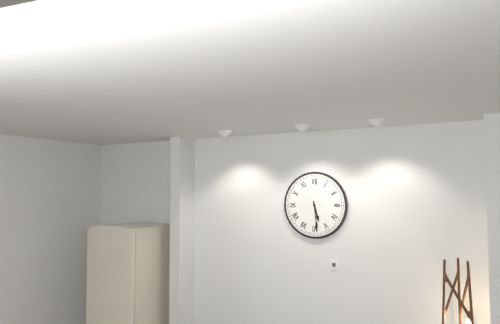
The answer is 5:29
